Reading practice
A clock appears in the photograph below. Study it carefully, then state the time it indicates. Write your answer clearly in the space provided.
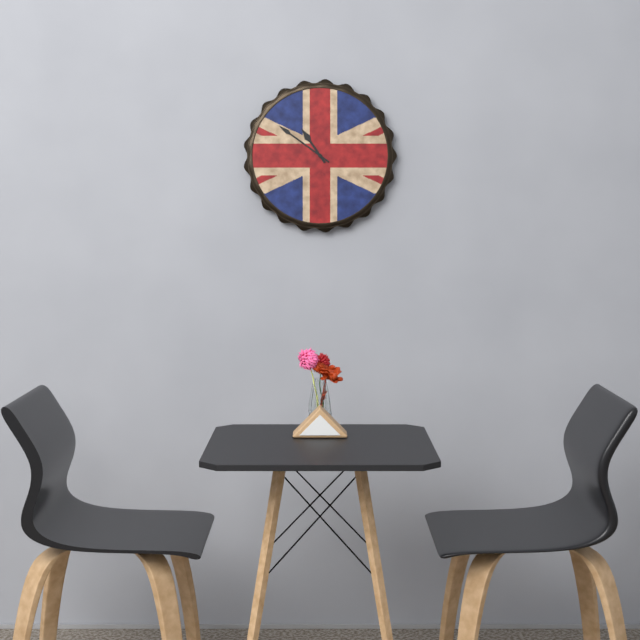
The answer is 10:51
